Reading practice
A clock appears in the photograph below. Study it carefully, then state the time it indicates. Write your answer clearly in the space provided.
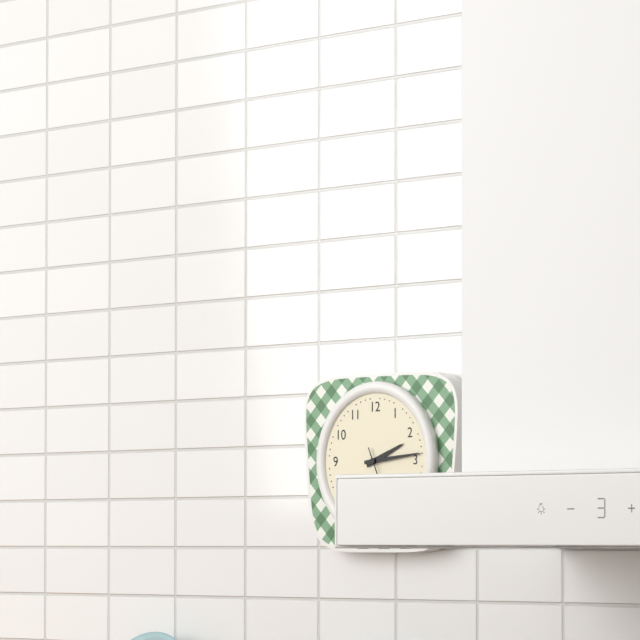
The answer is 2:14
